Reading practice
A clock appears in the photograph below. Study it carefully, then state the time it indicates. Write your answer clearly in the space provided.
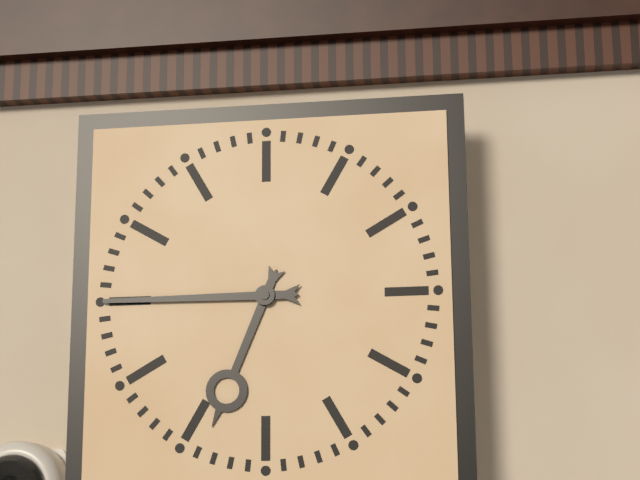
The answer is 6:45
